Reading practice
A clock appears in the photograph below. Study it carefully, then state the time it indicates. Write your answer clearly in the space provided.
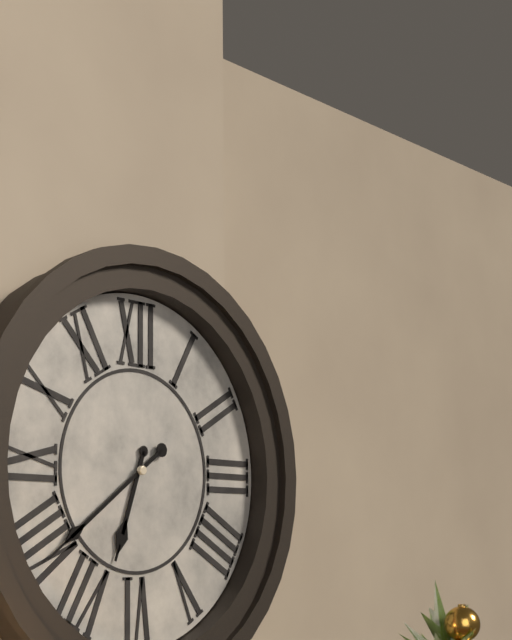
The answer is 6:39
